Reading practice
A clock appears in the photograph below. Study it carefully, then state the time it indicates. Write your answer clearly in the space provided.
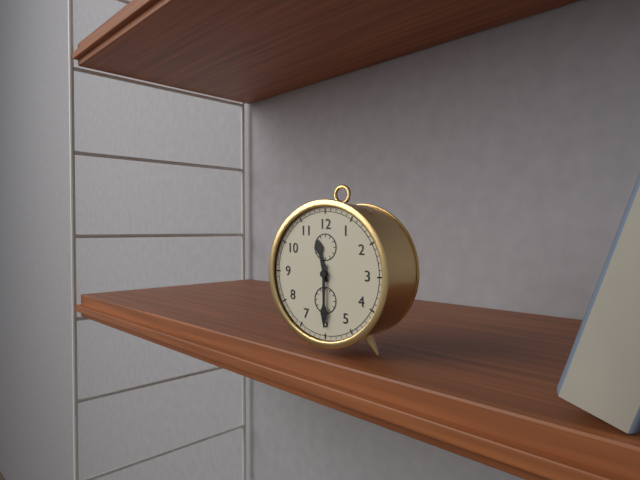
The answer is 11:30
